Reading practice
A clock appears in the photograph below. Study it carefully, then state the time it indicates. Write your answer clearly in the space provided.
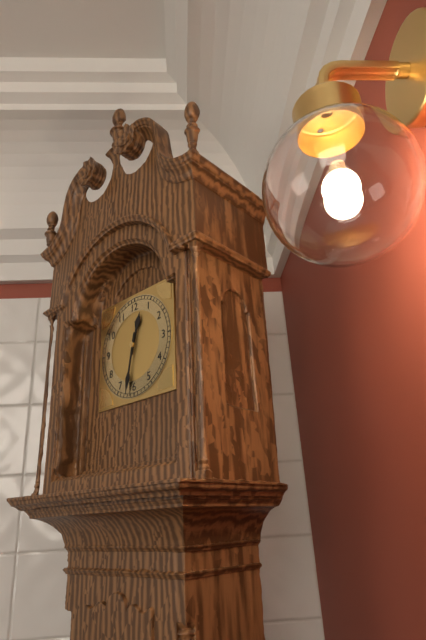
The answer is 12:32
